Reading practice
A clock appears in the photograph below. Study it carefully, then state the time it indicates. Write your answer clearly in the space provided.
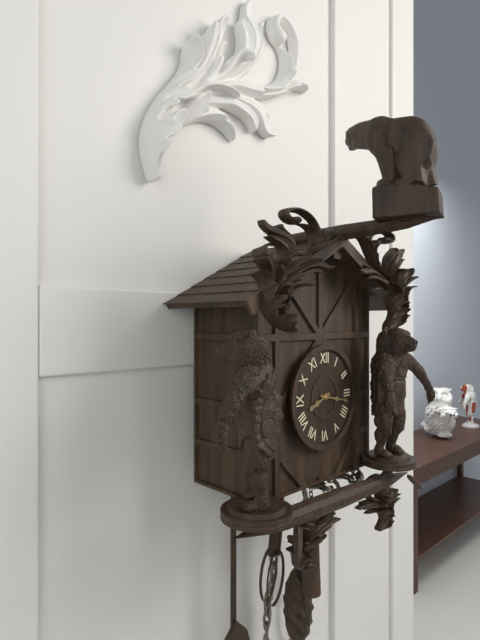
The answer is 8:17
